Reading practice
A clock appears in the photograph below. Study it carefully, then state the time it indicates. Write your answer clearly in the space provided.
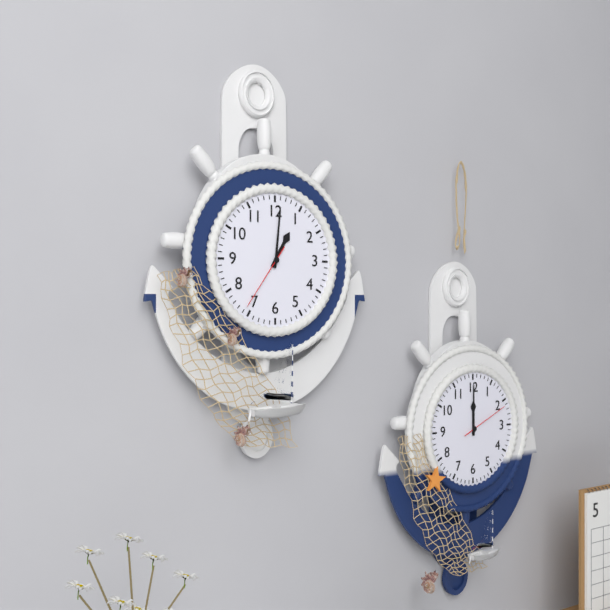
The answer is 1:01:36
